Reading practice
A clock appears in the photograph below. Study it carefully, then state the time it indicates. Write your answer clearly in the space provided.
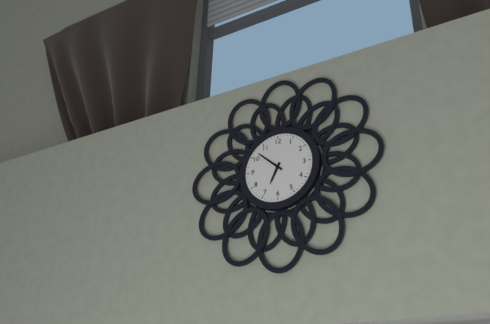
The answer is 6:52
